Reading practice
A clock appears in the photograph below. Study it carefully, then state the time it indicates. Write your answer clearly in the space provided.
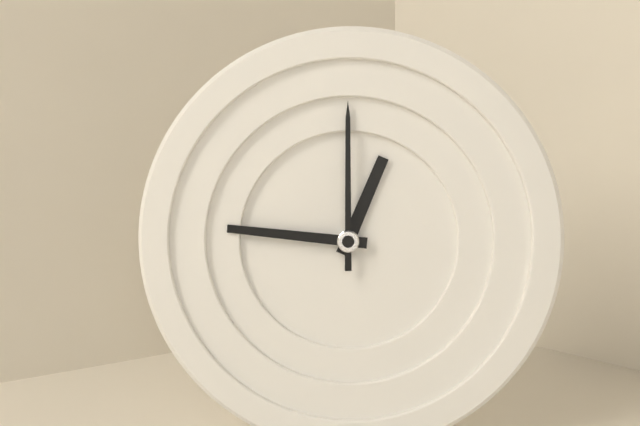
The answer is 12:46:00
